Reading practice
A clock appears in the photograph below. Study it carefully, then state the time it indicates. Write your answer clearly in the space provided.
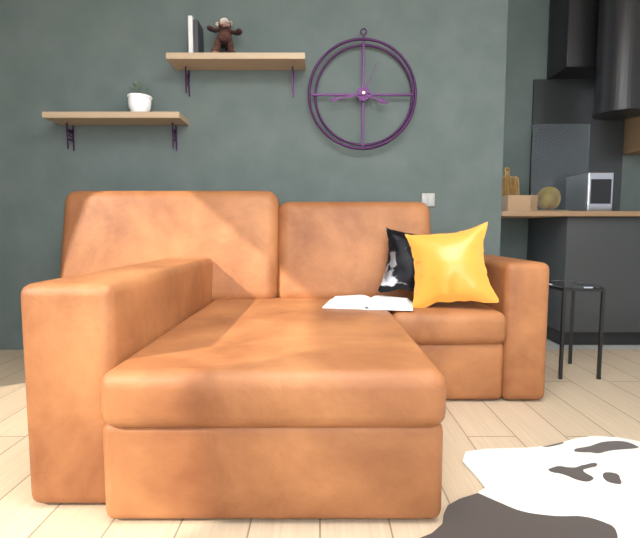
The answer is 3:43
